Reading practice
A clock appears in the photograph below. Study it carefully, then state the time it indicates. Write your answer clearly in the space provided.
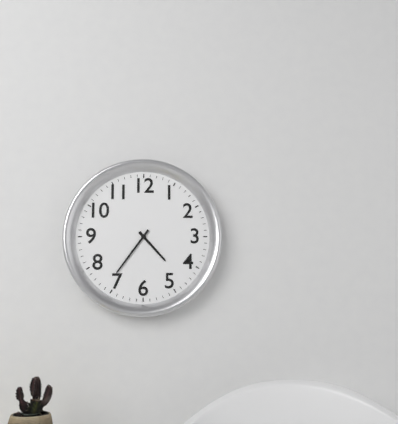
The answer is 4:36
